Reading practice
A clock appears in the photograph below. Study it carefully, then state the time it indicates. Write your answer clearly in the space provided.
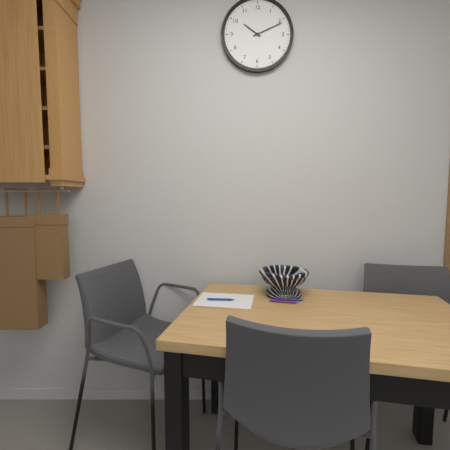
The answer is 10:11
